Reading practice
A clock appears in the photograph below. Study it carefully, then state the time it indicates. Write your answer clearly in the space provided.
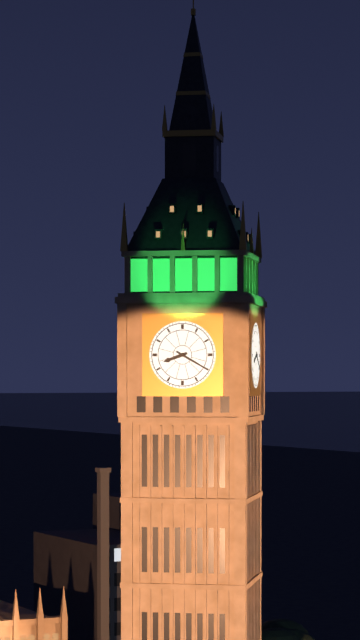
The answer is 8:20
